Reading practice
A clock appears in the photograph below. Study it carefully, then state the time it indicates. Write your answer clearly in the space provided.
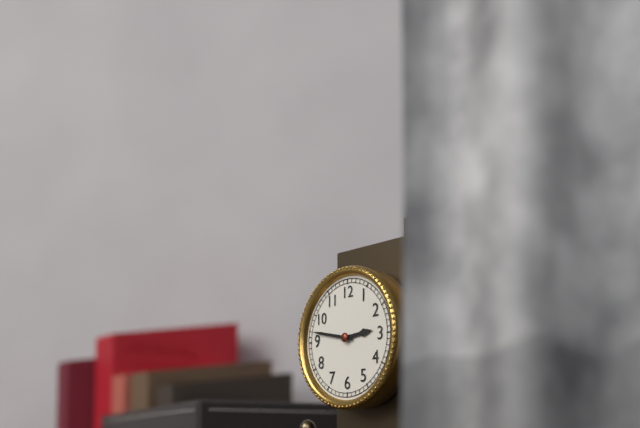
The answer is 2:47
